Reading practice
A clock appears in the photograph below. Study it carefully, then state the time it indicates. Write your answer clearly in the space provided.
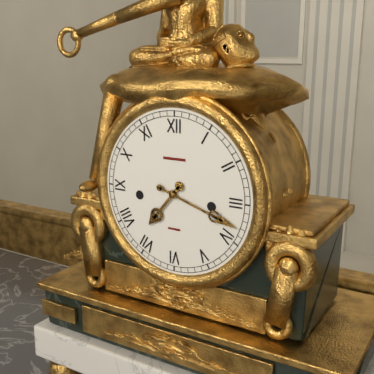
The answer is 7:18
